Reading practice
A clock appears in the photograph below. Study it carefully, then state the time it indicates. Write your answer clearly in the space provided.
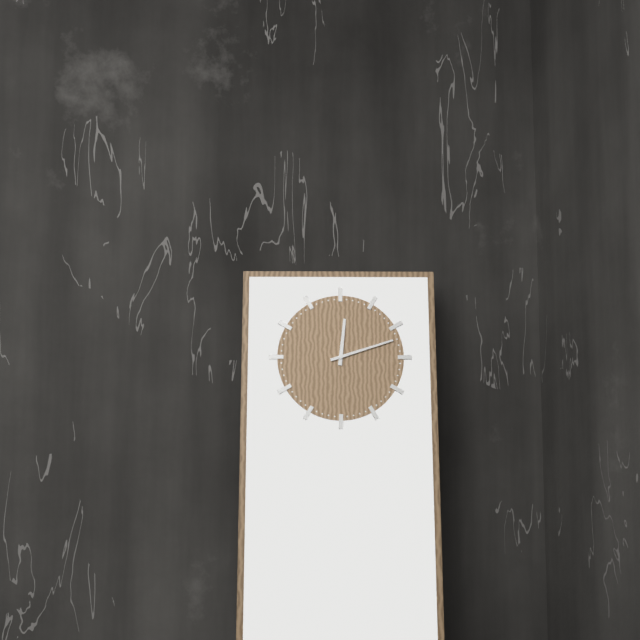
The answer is 12:12
